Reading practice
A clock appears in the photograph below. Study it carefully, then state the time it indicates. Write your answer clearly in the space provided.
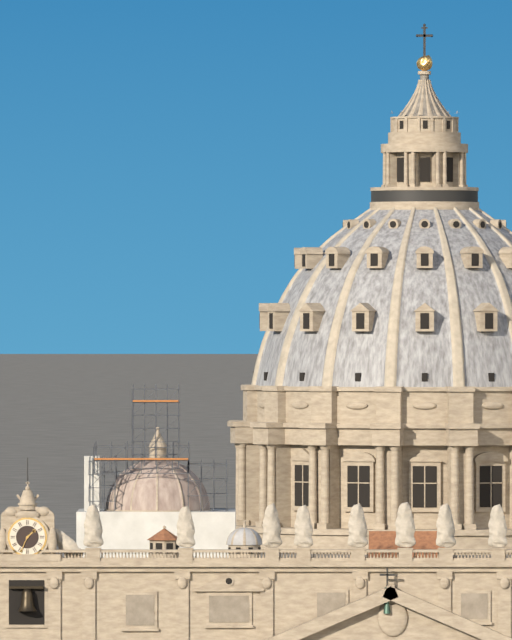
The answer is 1:34
